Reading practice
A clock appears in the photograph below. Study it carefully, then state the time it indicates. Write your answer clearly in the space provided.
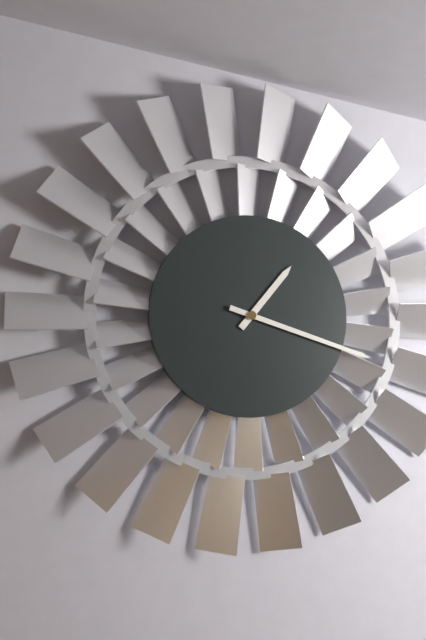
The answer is 1:18
